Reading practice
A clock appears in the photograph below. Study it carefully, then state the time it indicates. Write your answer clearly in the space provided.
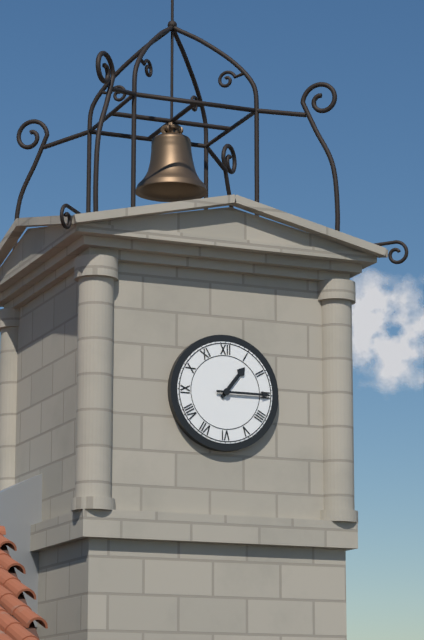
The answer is 1:15
